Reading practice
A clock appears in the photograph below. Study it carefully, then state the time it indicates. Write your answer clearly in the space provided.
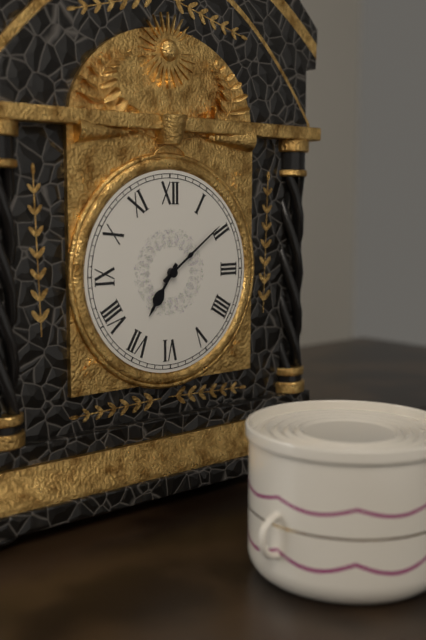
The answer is 7:09
